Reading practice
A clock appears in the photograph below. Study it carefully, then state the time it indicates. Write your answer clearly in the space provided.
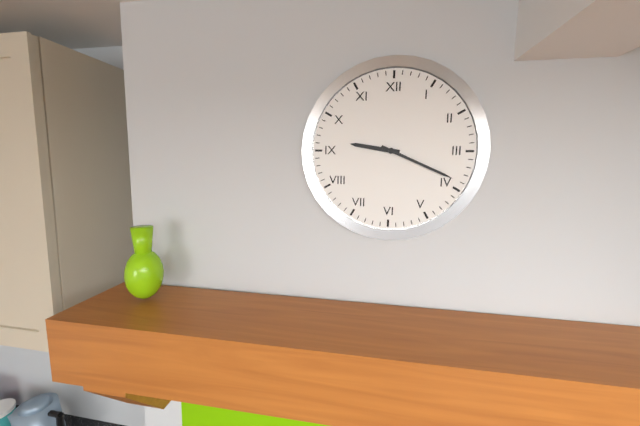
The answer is 9:19
